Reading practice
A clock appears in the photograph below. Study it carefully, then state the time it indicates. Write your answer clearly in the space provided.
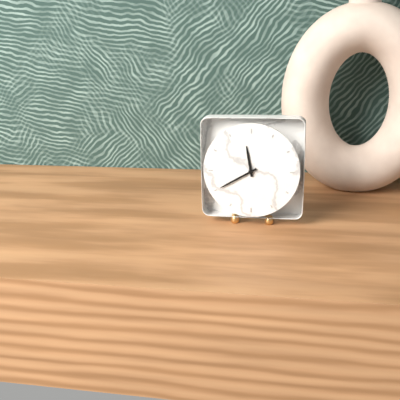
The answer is 11:40
